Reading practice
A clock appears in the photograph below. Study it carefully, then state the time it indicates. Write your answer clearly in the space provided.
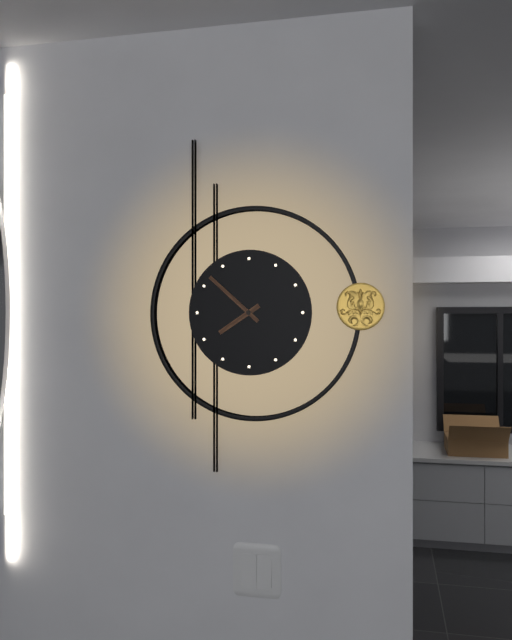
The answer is 7:52
